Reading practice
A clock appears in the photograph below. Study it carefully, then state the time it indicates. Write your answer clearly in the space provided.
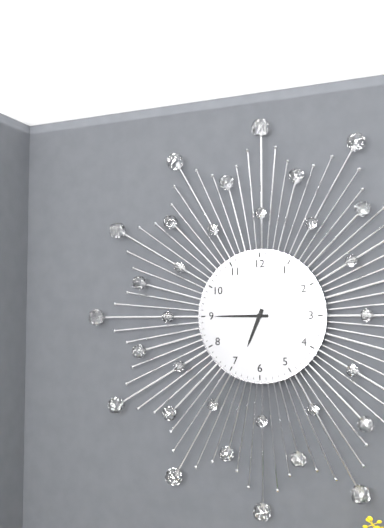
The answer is 6:45
